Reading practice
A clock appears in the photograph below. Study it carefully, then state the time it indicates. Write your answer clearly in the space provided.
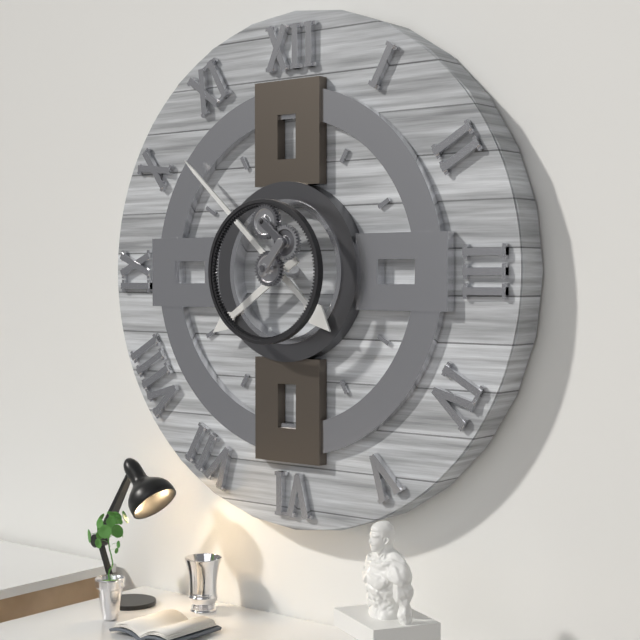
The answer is 7:52
